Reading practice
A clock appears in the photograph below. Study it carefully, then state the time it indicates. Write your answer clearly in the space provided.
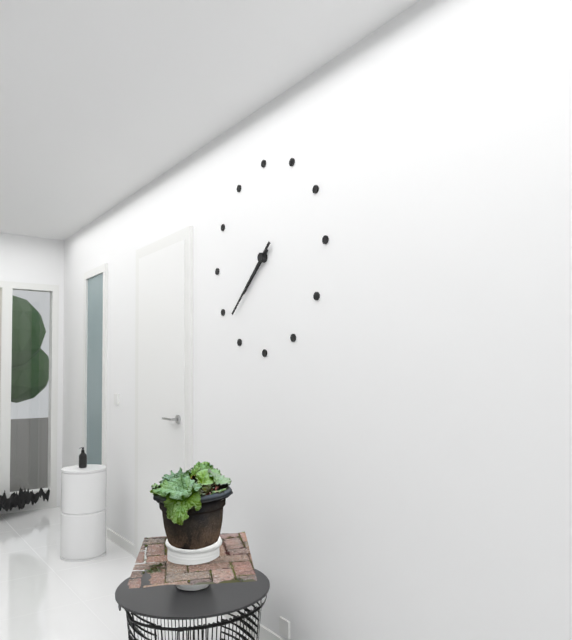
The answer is 7:38
